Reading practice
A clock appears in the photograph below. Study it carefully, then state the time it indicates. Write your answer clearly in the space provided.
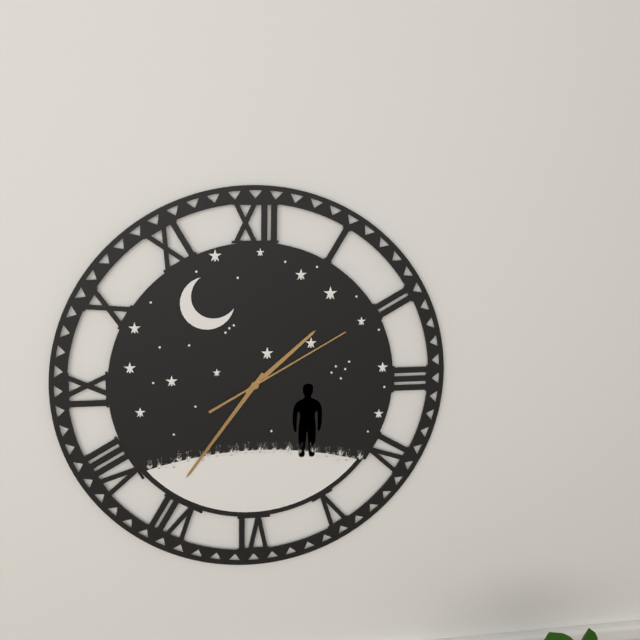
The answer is 1:36:10
